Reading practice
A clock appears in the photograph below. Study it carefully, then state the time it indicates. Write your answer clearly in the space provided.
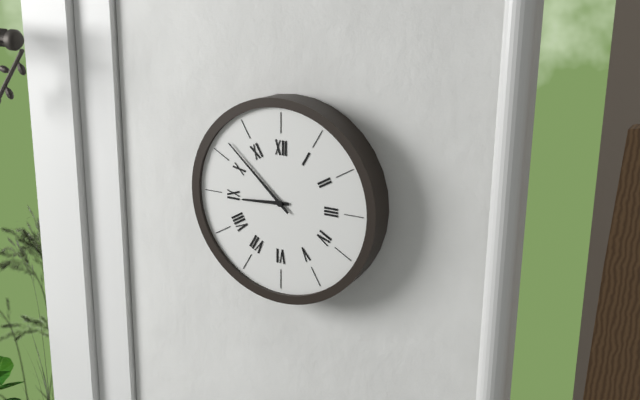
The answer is 8:52
